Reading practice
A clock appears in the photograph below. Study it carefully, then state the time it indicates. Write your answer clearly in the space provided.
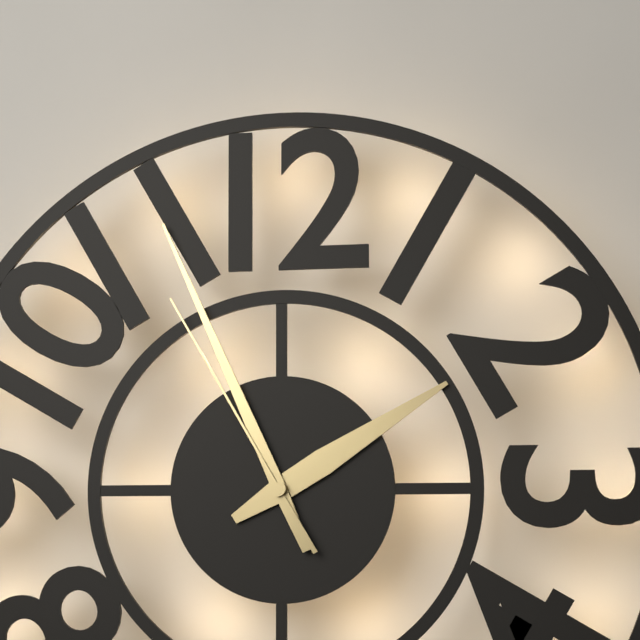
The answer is 1:56:55
